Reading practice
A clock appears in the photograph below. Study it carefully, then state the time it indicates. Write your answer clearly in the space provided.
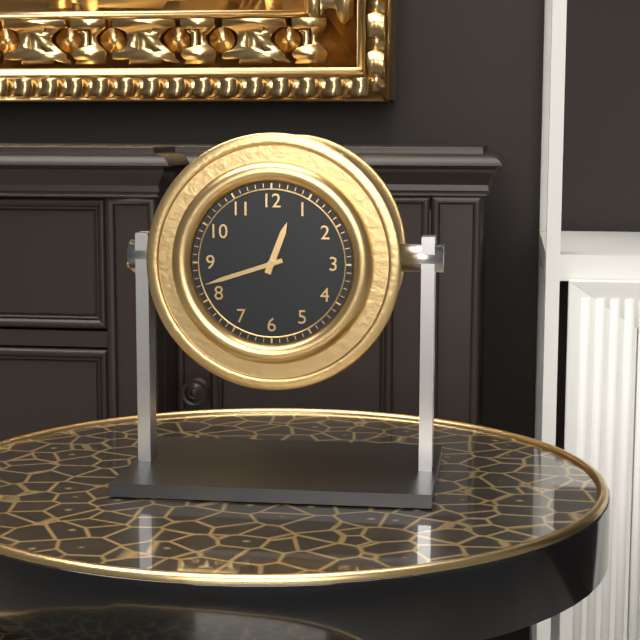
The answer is 12:42
